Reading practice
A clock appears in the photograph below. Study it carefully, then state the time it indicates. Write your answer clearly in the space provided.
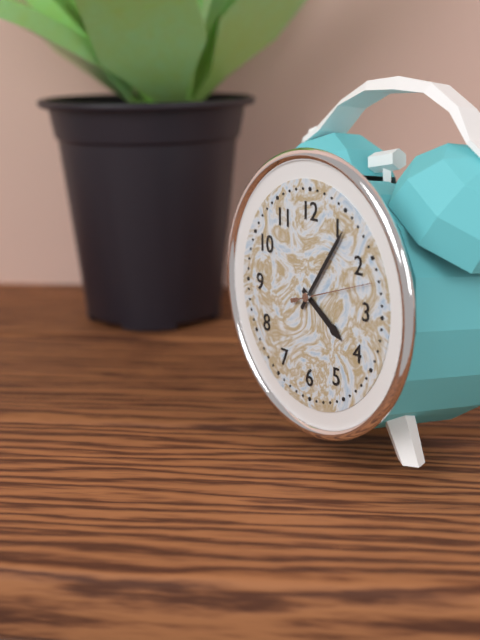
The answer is 4:06:12
